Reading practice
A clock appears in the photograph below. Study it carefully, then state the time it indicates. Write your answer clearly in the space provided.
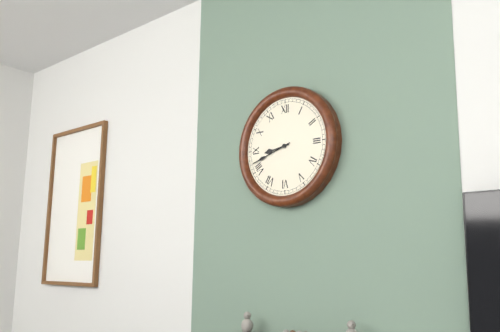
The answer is 8:42
